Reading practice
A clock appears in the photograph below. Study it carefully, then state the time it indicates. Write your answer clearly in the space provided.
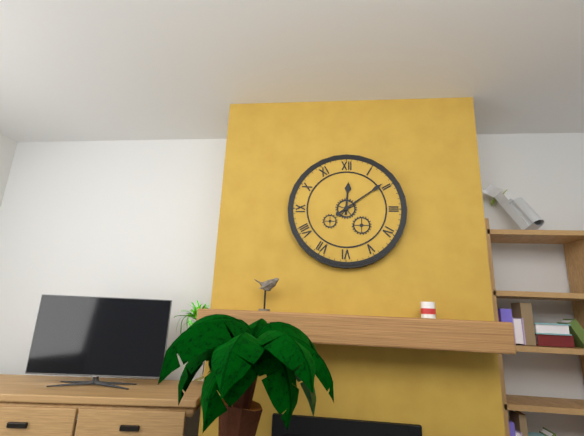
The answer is 12:09
